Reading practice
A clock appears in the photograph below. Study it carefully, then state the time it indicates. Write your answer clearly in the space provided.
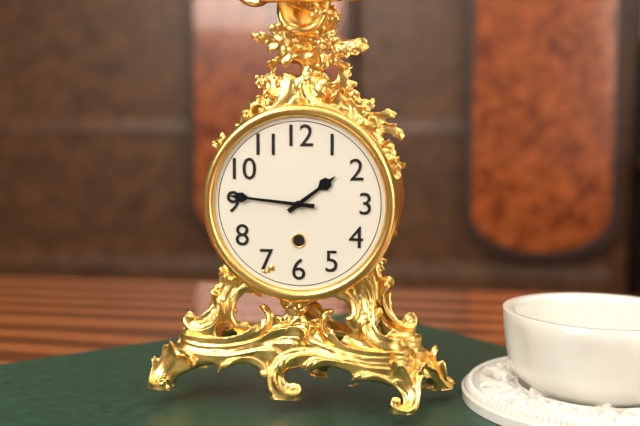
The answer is 1:46
